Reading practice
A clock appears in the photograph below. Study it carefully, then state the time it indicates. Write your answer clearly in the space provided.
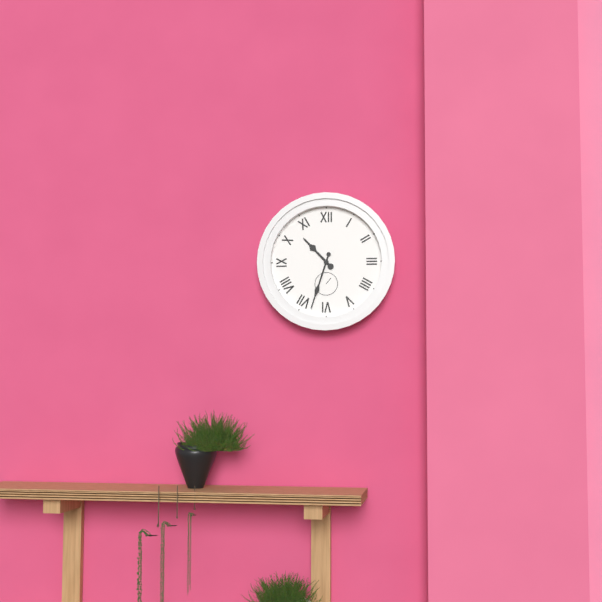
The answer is 10:33
